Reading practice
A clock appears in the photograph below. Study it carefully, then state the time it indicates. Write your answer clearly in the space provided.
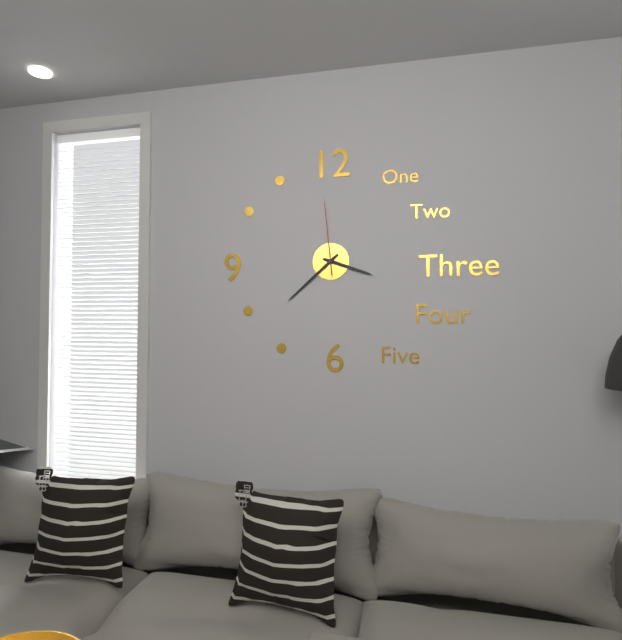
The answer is 3:38:59
